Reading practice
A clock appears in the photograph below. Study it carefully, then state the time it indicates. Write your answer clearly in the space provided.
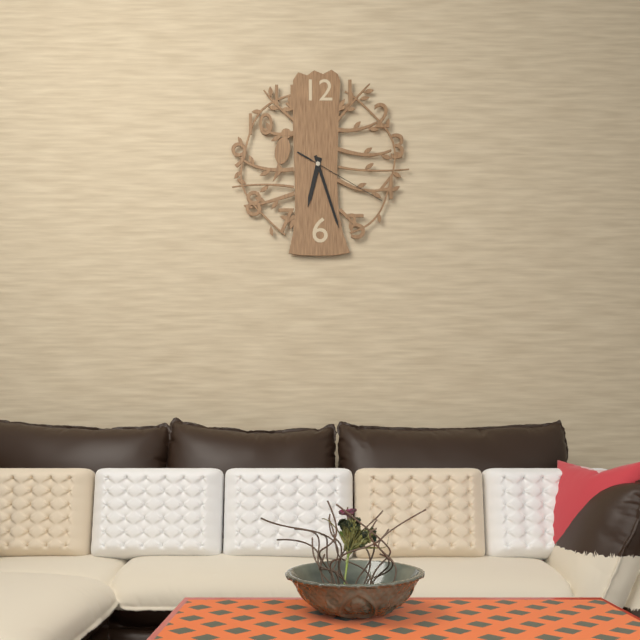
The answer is 6:27:20
